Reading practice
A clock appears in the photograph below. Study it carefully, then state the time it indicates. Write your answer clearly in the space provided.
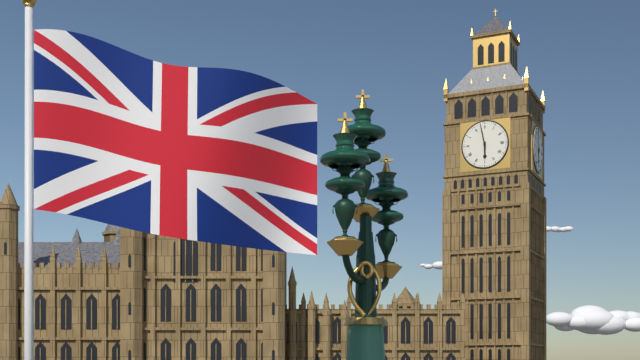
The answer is 5:58
